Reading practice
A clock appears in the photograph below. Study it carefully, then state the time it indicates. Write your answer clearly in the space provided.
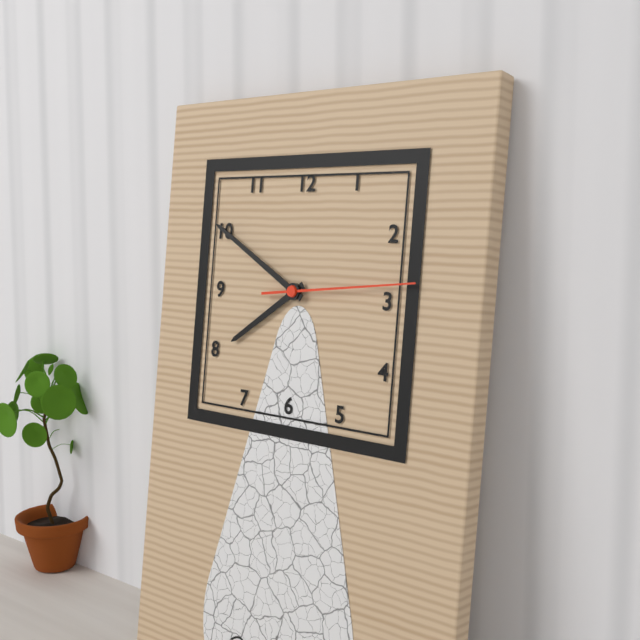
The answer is 7:50:14
